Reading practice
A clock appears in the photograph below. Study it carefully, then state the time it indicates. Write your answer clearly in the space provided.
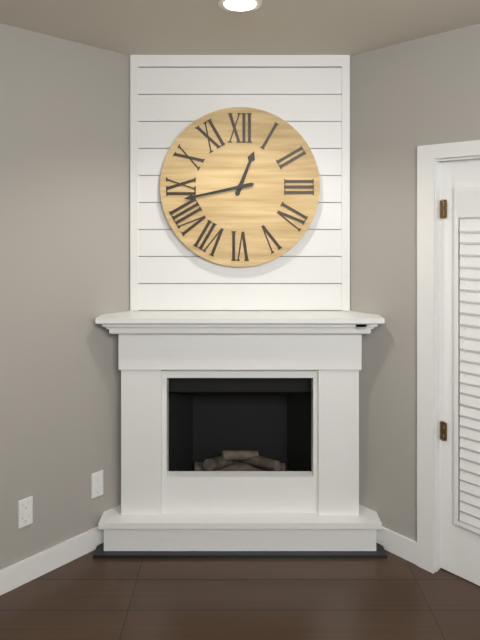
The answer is 12:43
